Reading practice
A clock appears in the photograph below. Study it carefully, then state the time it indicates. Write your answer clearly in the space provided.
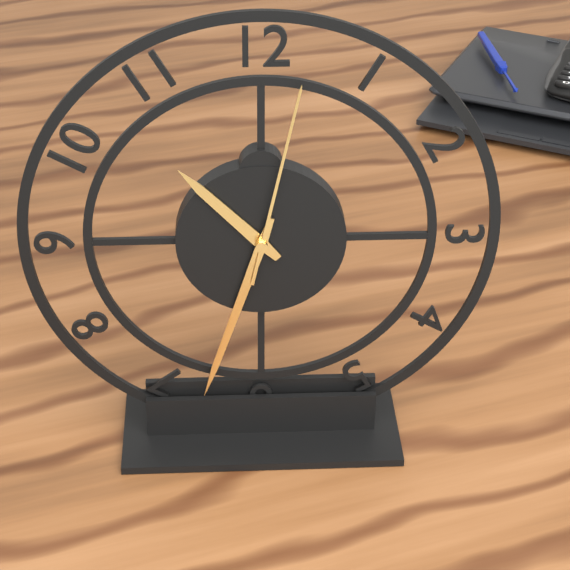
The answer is 10:33:02
